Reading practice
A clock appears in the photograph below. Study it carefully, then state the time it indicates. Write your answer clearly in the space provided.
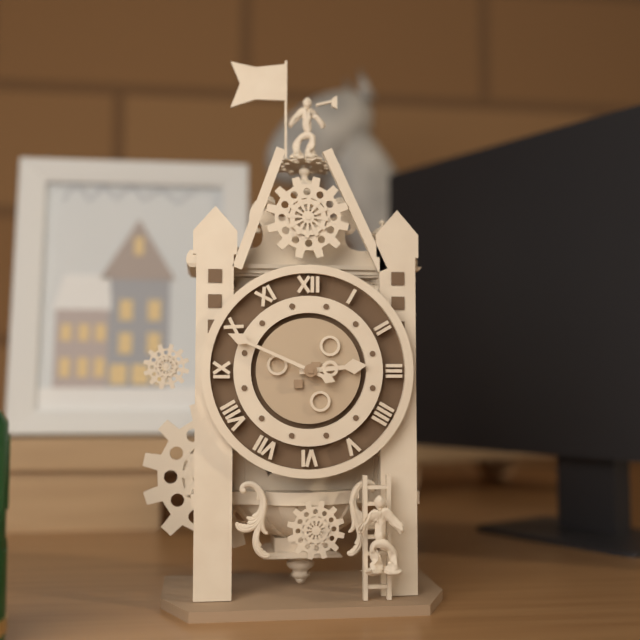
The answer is 2:49
